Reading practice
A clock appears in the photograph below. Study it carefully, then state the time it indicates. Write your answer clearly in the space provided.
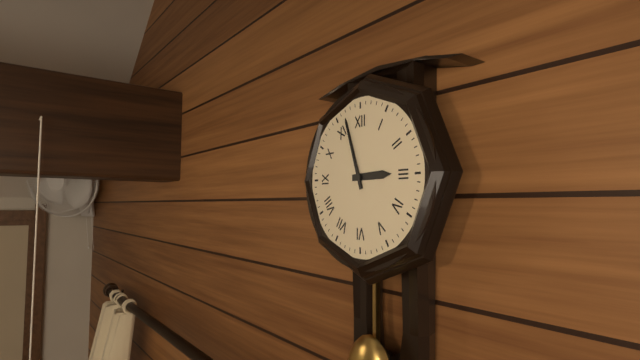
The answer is 2:57
